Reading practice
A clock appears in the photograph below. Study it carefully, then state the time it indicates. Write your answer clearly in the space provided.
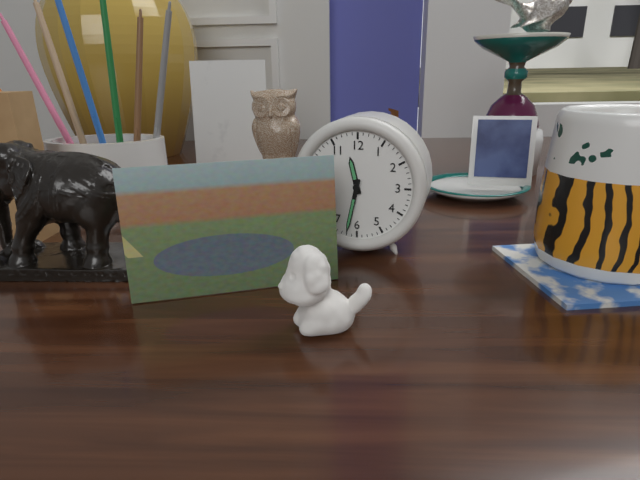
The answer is 11:32
